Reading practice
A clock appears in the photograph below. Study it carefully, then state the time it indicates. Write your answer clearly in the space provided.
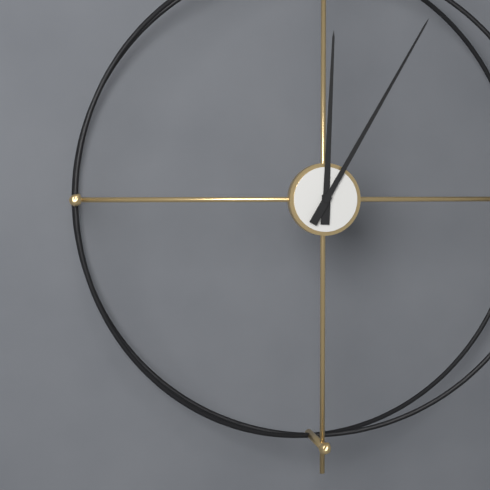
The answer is 12:05
